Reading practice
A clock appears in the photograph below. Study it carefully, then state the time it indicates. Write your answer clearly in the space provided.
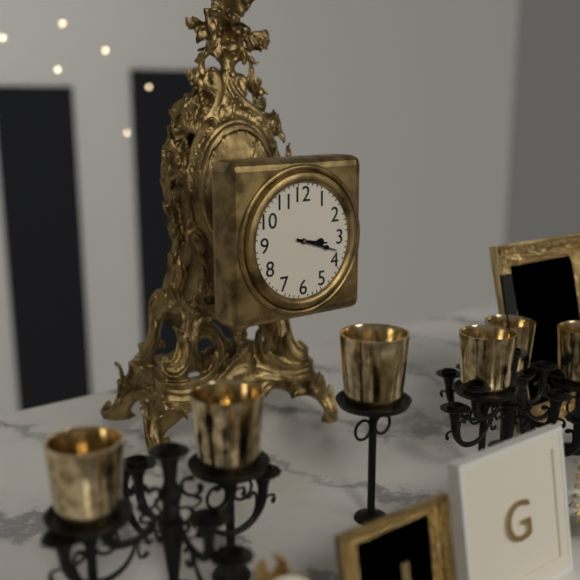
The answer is 3:18
